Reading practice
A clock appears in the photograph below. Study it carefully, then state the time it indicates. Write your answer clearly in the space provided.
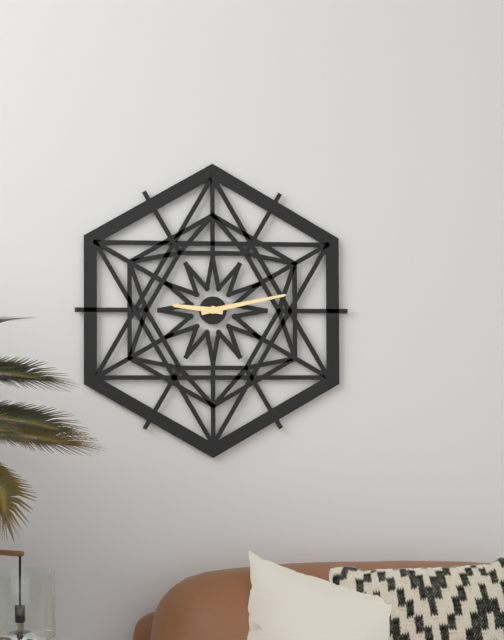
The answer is 9:13
